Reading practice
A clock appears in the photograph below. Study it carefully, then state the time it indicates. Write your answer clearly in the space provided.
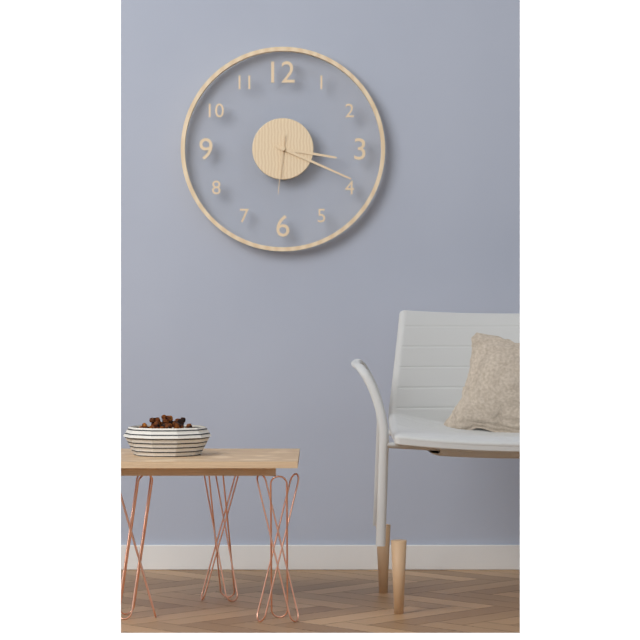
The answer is 3:19:31
